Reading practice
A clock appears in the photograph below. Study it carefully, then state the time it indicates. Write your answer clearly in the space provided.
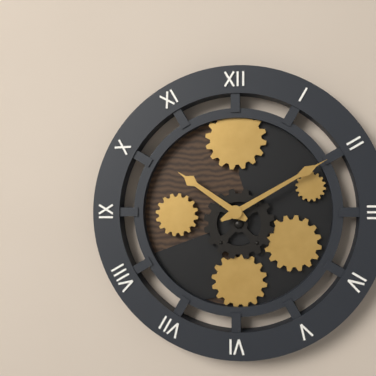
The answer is 10:10
